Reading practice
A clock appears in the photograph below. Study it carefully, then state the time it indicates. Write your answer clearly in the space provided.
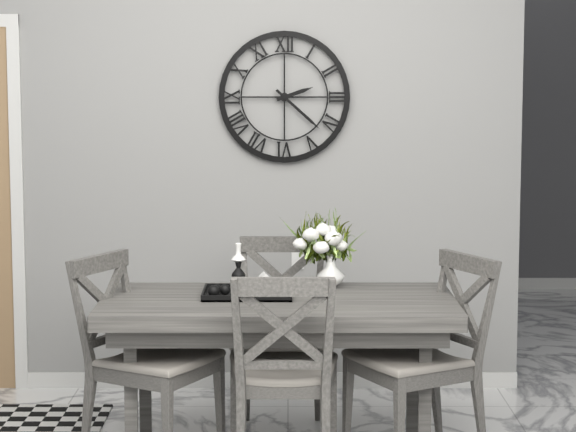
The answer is 2:22
